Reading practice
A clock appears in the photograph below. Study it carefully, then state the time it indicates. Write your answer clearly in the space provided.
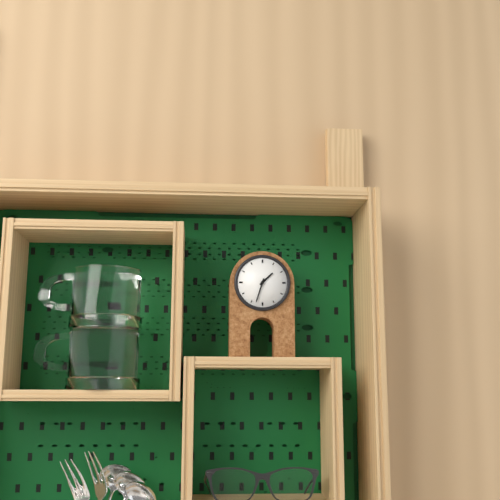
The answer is 1:33
